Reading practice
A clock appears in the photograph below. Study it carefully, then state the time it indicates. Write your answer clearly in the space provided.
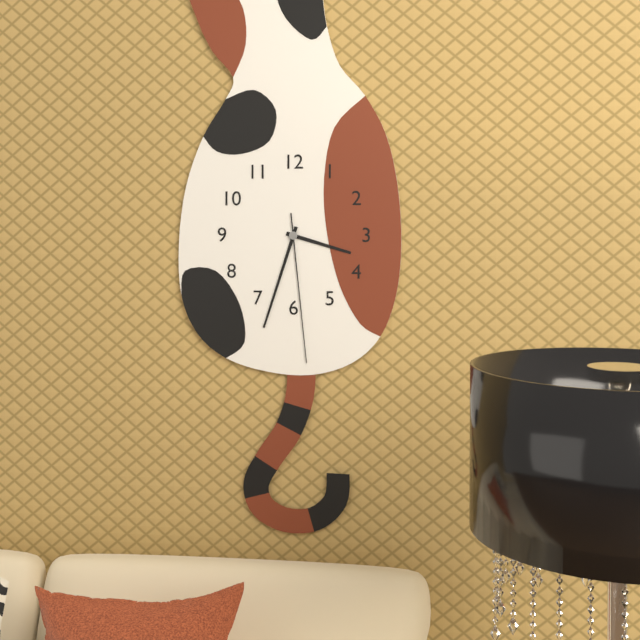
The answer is 3:33:29
